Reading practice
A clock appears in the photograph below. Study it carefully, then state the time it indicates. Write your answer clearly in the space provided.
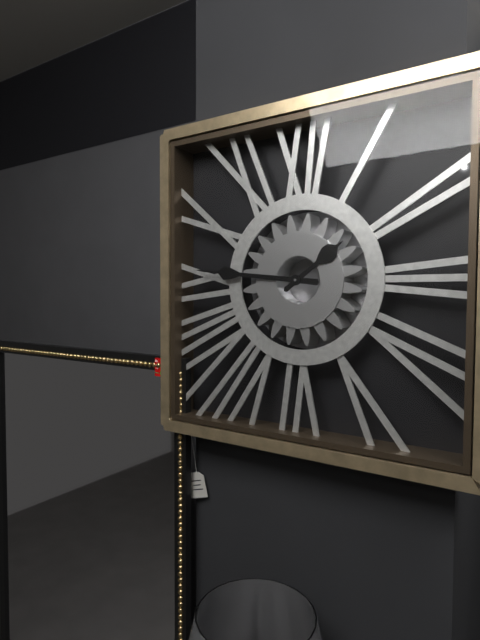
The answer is 1:46
